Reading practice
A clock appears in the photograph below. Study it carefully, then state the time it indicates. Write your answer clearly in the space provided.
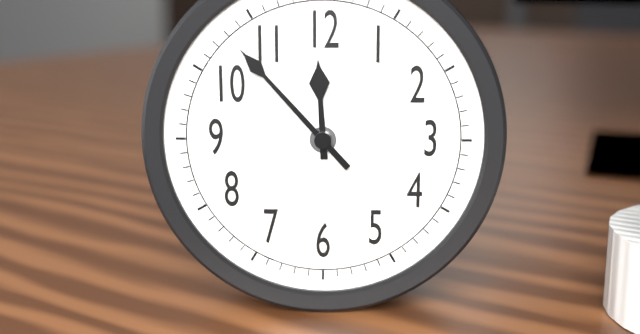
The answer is 11:53
